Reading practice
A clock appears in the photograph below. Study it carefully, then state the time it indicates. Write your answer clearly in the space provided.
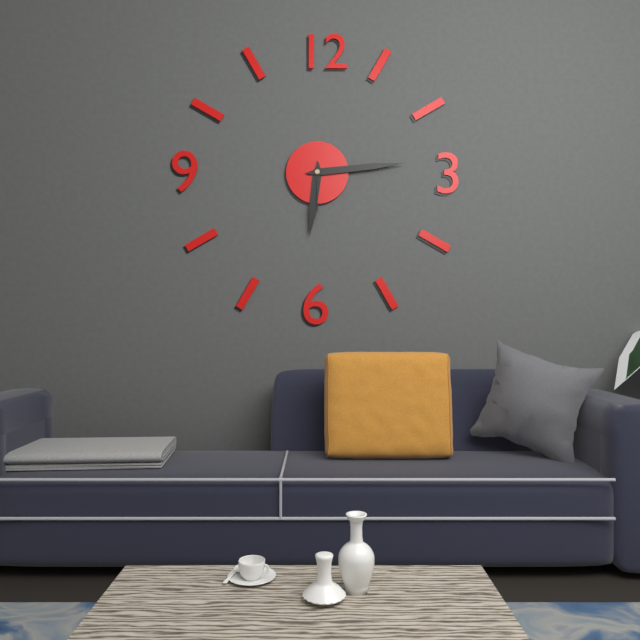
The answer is 6:14
